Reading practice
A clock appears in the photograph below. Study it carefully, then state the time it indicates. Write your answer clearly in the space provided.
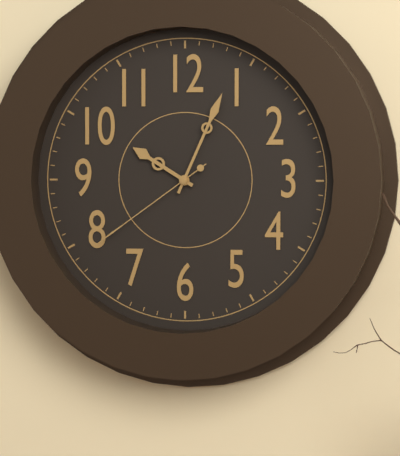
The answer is 10:04:39
